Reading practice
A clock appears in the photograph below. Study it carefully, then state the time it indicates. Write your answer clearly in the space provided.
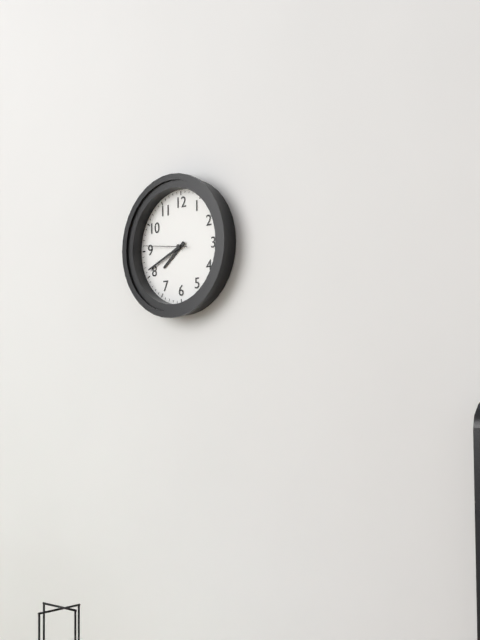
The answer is 7:41
